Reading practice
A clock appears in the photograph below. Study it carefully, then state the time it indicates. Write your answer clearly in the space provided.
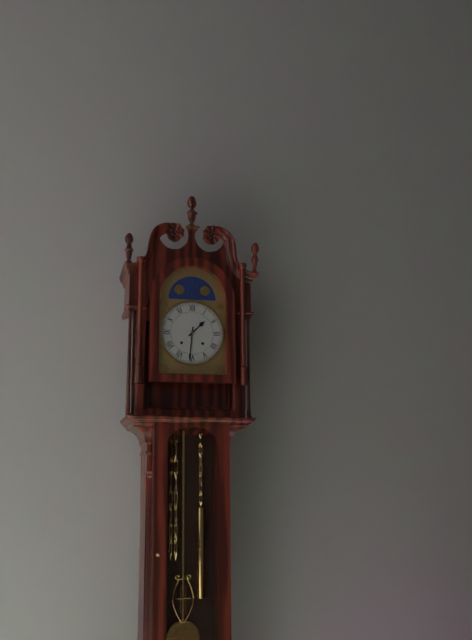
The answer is 1:31
